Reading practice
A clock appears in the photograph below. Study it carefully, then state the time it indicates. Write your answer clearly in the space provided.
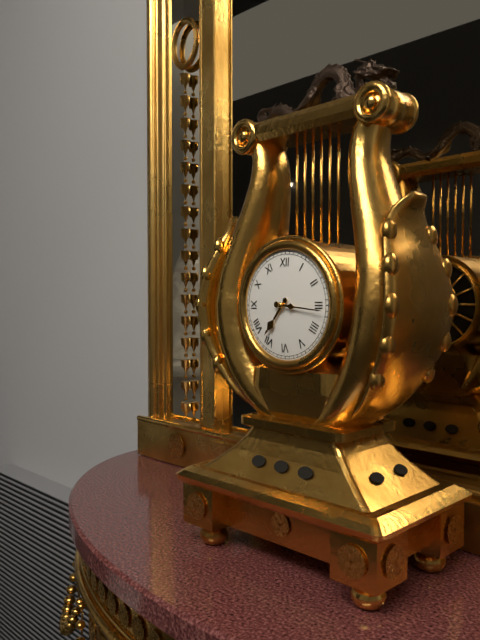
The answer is 7:16
